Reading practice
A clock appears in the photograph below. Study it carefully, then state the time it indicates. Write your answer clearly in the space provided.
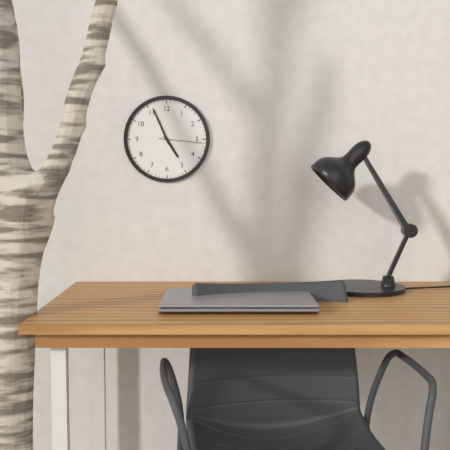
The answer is 4:56
